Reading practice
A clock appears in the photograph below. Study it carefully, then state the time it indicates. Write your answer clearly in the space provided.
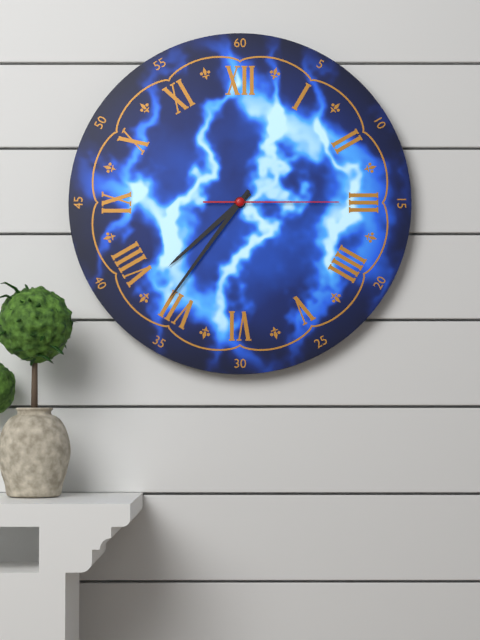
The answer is 7:36:15
